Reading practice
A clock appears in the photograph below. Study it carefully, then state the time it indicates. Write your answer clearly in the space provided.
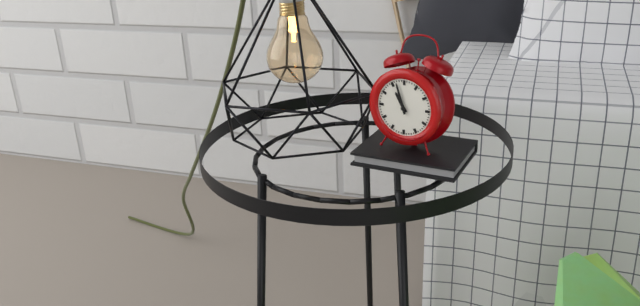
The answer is 10:57
